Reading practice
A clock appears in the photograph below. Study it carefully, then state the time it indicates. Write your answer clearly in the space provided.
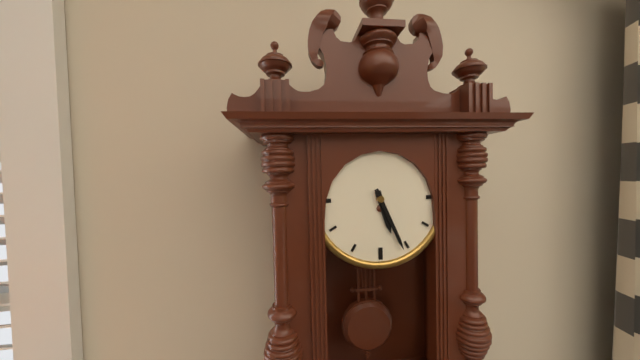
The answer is 5:26
